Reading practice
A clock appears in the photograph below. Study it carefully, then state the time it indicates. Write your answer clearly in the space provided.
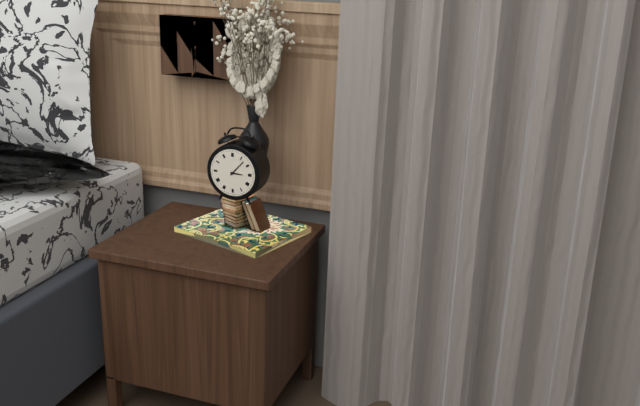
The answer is 3:07
